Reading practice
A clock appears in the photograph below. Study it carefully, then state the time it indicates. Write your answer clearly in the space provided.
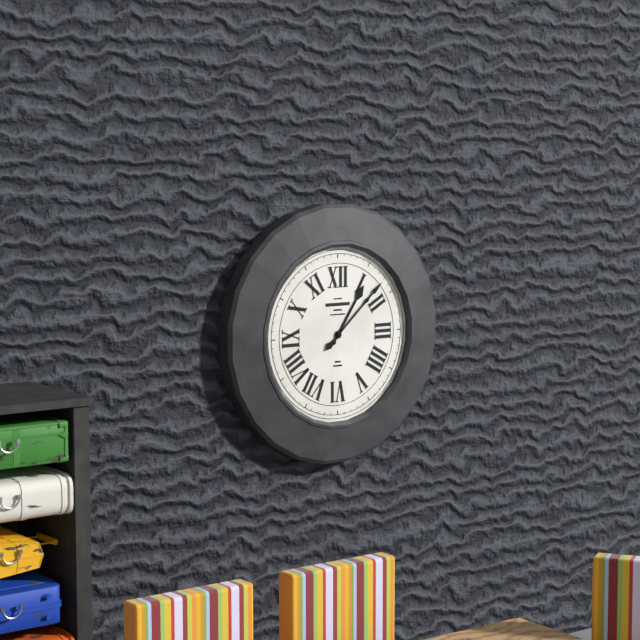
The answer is 1:08
